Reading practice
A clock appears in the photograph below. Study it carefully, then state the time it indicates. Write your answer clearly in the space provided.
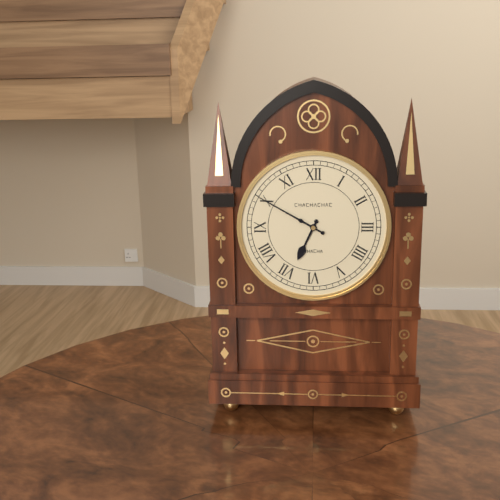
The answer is 6:50
